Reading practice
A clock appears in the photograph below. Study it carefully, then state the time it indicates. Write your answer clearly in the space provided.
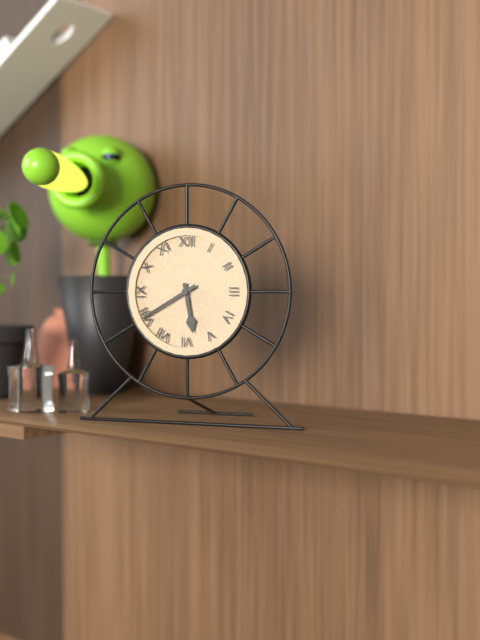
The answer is 5:40
